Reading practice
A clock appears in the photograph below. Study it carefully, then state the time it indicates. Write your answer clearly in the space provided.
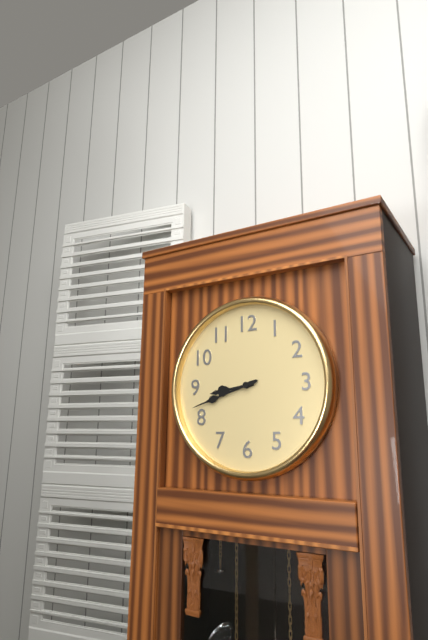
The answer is 8:42
